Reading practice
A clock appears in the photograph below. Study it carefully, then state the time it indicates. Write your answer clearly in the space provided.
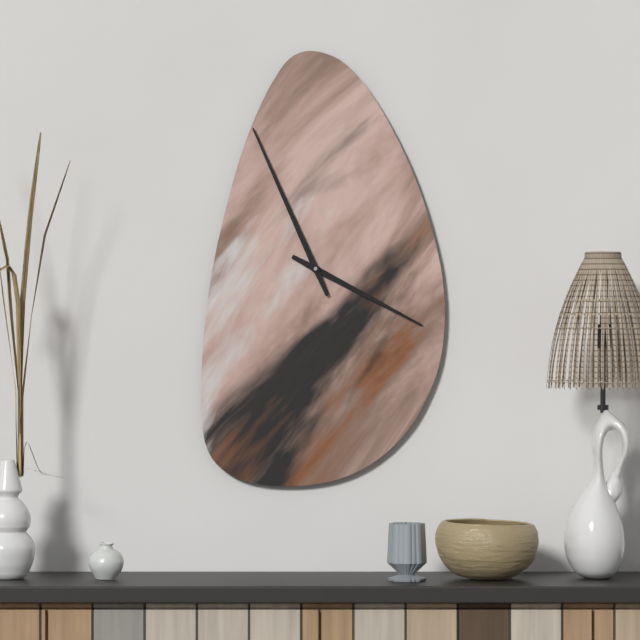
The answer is 3:56
